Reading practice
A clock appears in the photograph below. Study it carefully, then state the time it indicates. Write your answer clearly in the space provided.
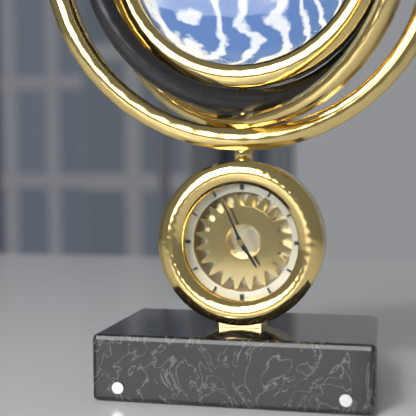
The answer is 4:56
